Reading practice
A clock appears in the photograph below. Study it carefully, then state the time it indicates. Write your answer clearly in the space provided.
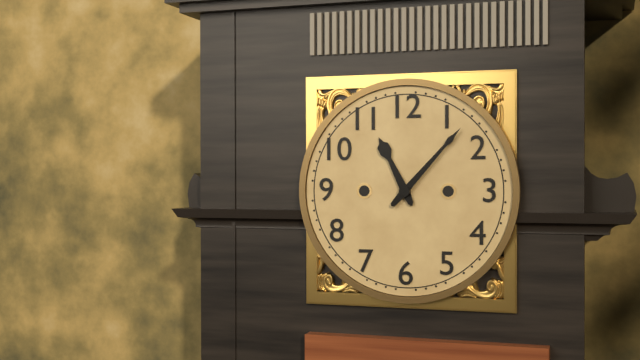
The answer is 11:07
